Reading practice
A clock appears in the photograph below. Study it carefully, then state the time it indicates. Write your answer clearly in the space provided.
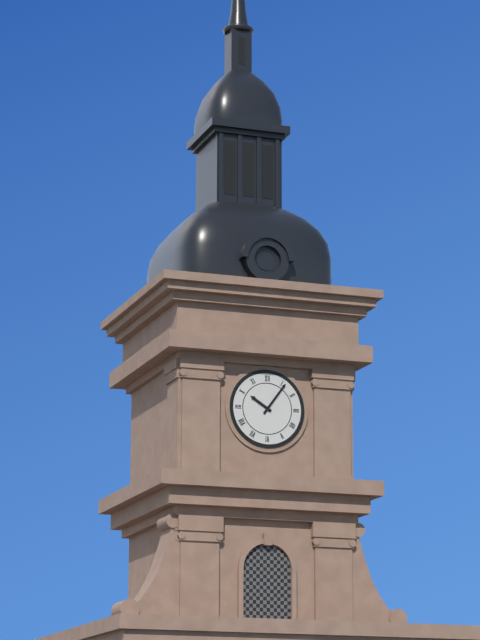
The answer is 10:06
